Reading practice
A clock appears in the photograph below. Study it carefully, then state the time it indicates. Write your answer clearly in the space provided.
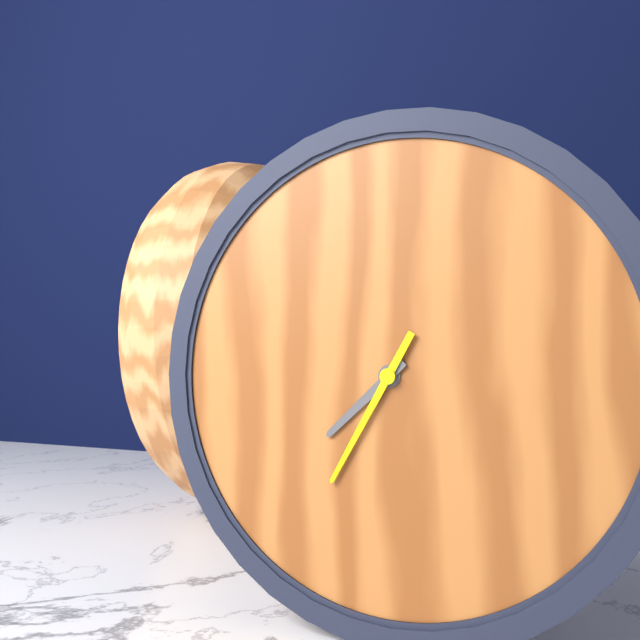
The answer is 7:35
